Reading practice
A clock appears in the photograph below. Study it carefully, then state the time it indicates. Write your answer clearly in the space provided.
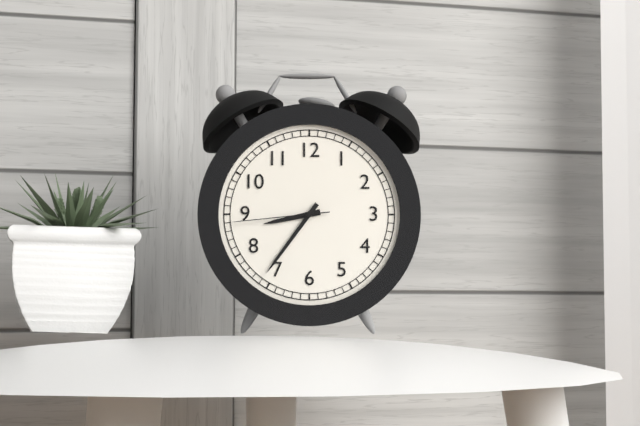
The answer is 8:36:44
